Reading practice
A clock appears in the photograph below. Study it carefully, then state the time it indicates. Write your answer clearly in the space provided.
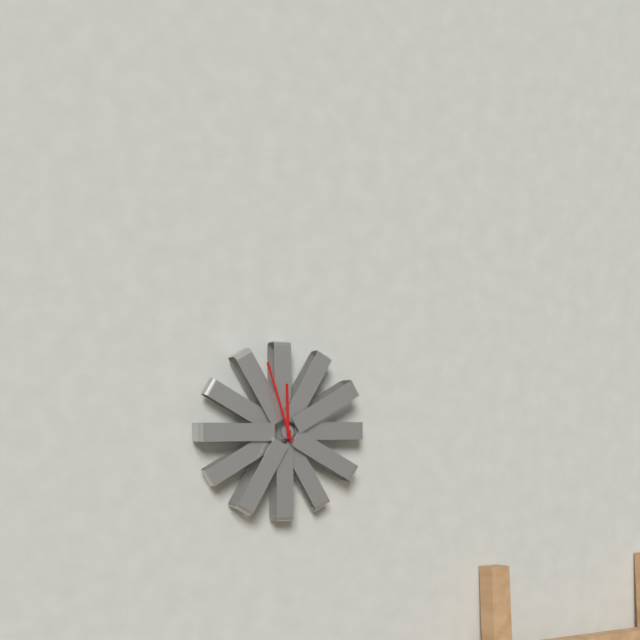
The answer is 11:57
